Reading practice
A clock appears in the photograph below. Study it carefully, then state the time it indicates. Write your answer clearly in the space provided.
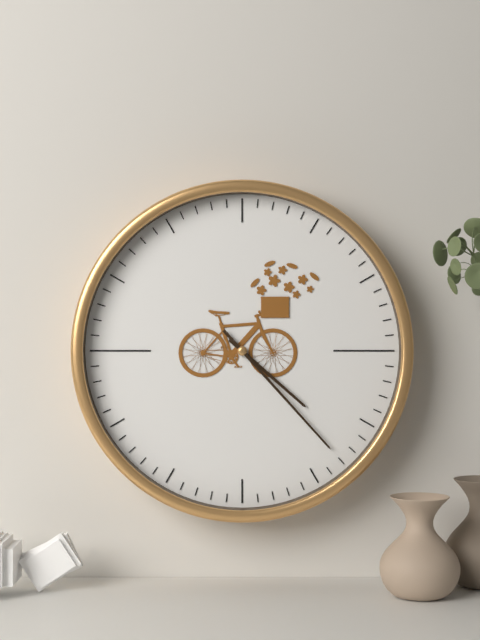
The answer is 4:23
